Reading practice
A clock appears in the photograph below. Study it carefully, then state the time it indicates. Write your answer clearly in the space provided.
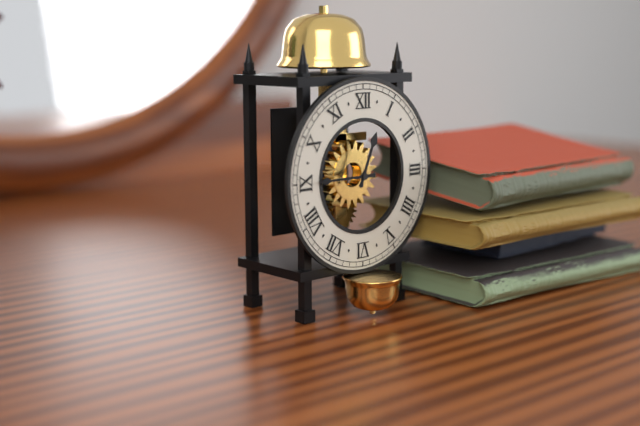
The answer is 12:45
